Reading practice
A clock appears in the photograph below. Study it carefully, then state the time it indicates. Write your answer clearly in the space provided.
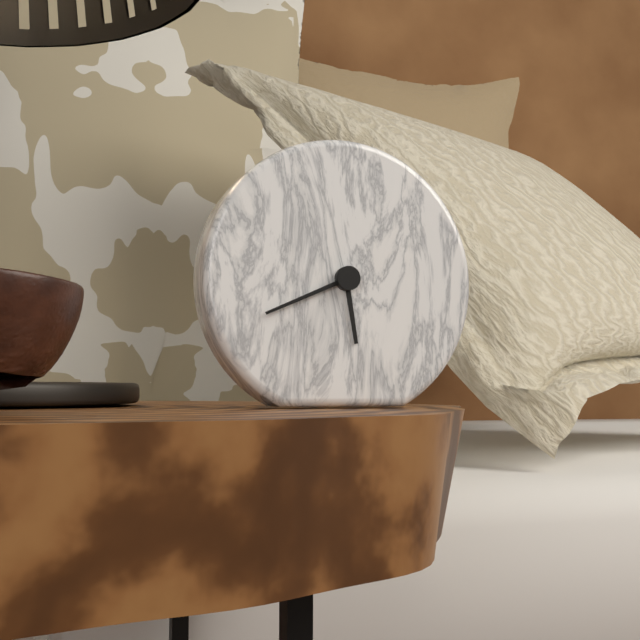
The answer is 5:41
